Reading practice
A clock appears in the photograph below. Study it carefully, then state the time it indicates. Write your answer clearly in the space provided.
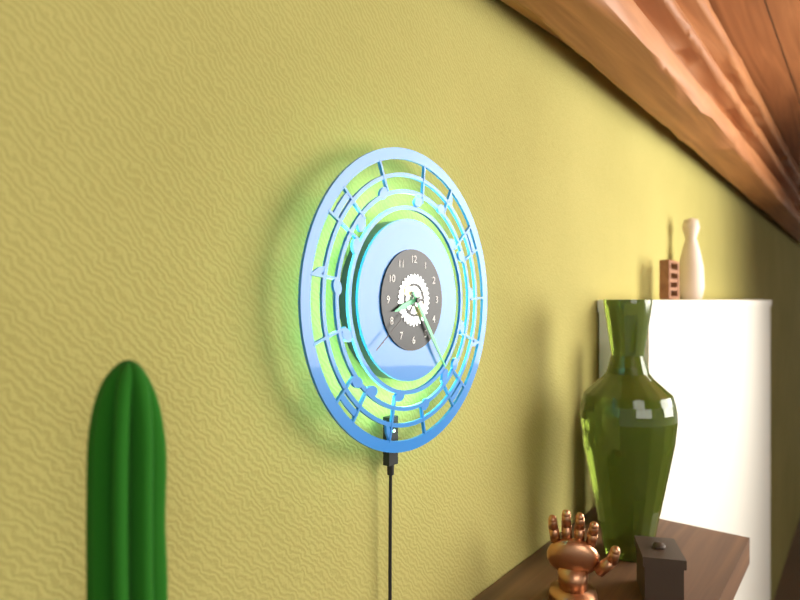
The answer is 8:24:39
